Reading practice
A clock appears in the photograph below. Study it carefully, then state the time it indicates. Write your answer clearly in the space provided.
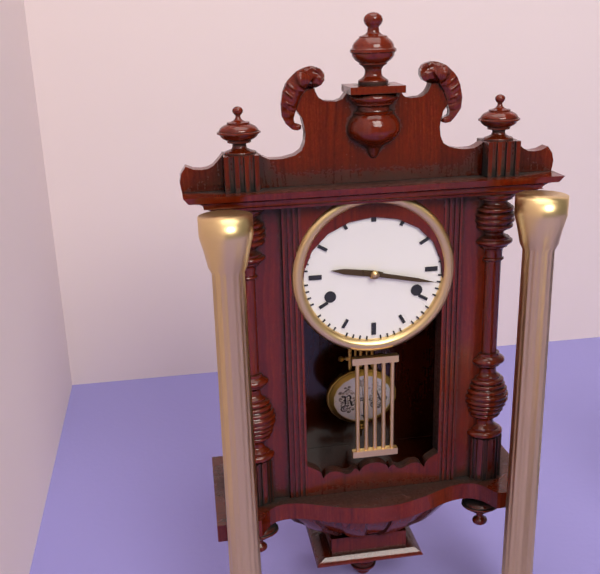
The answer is 9:17
